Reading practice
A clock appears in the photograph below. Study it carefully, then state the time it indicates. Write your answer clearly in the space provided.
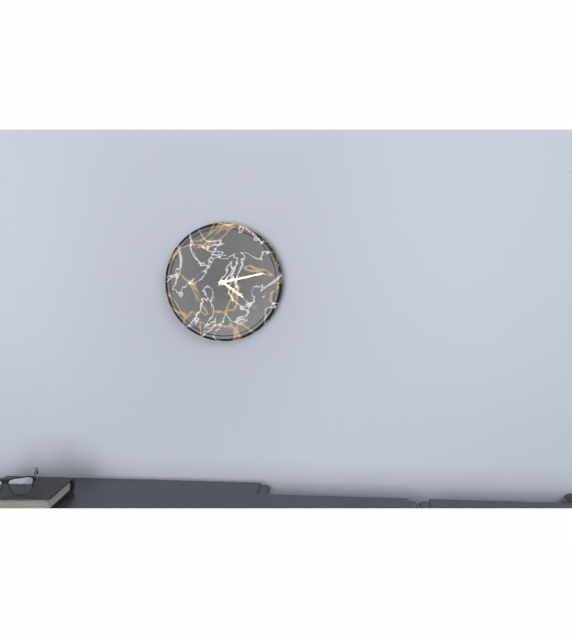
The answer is 4:13
